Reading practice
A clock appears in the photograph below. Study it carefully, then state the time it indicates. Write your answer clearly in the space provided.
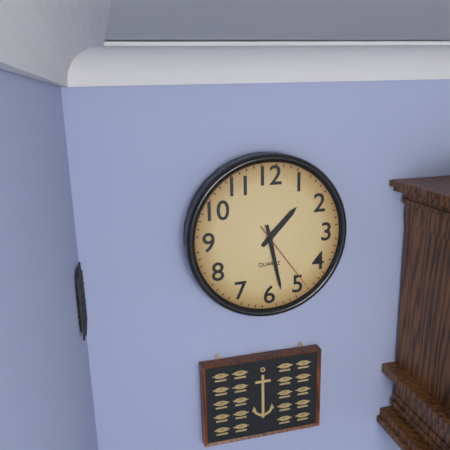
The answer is 1:28:24
